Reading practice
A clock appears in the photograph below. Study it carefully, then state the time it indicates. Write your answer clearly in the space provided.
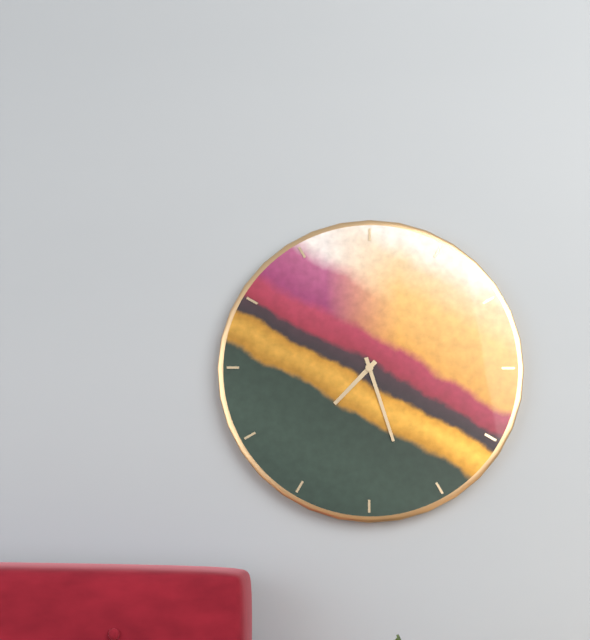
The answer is 7:27
